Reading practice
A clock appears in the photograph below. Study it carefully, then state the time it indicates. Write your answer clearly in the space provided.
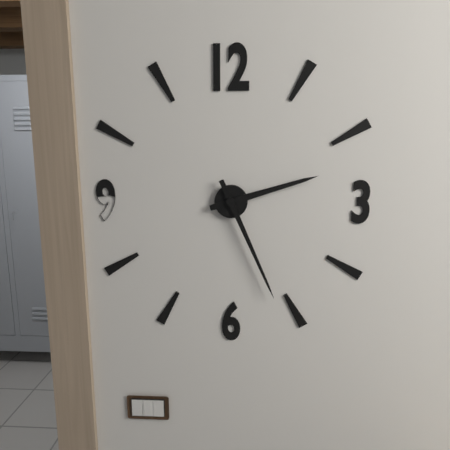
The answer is 2:26
